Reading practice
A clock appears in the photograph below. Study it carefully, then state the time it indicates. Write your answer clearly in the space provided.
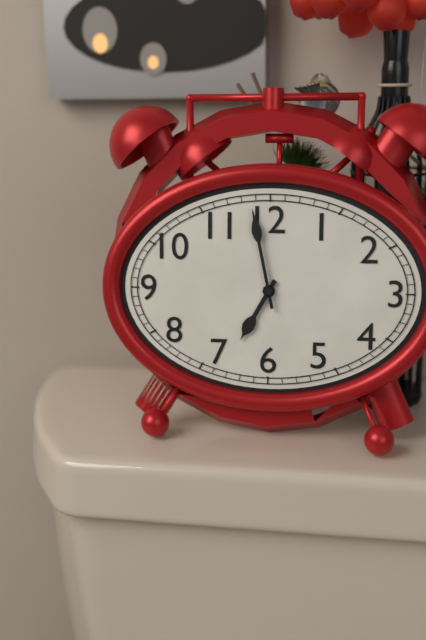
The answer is 6:58
